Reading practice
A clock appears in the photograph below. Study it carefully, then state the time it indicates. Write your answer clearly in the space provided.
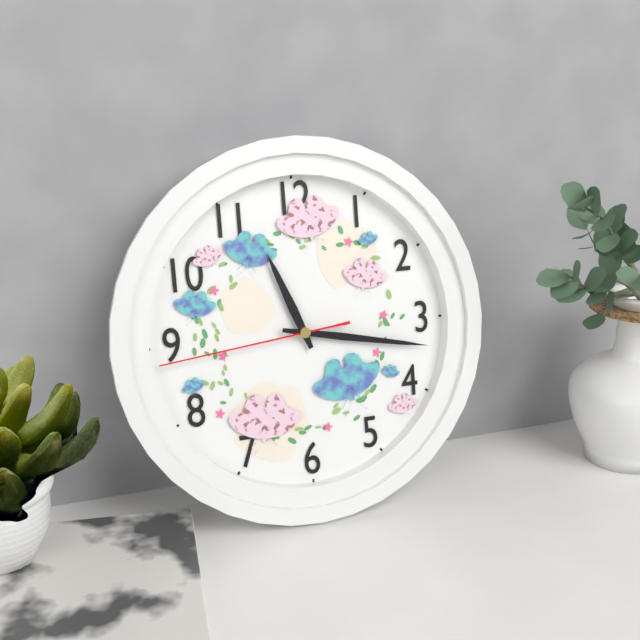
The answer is 11:17:44
